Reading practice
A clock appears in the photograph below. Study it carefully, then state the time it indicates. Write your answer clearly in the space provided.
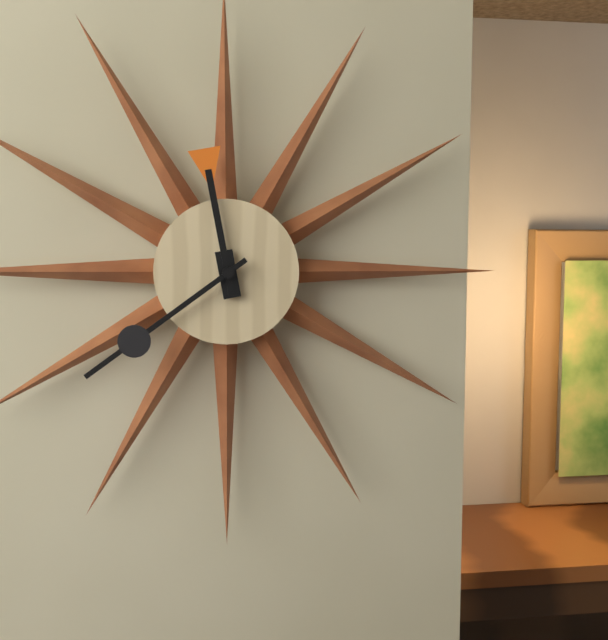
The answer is 11:39
